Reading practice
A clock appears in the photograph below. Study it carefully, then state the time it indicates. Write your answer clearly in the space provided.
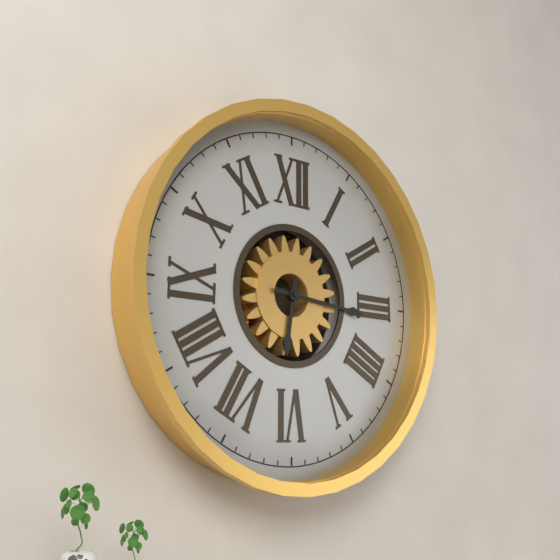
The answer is 6:16
